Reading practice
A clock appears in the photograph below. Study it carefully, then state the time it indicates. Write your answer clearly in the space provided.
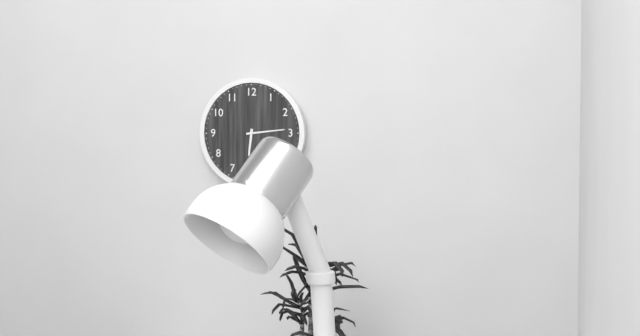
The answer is 6:14
